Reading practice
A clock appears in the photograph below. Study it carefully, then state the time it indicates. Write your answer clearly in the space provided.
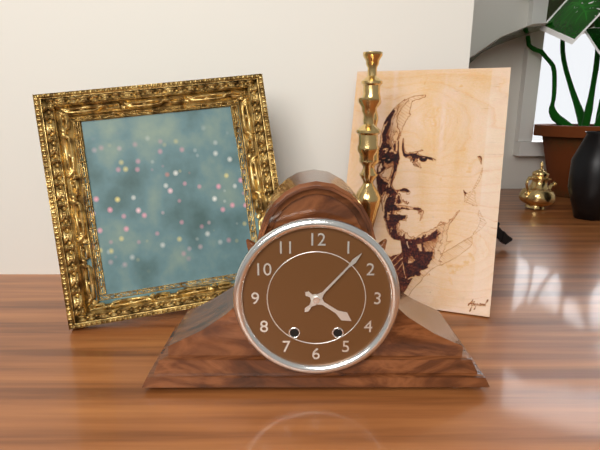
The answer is 4:07
